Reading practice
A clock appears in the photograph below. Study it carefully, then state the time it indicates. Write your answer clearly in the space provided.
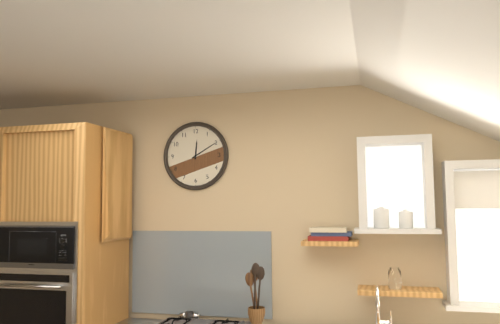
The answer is 12:10
